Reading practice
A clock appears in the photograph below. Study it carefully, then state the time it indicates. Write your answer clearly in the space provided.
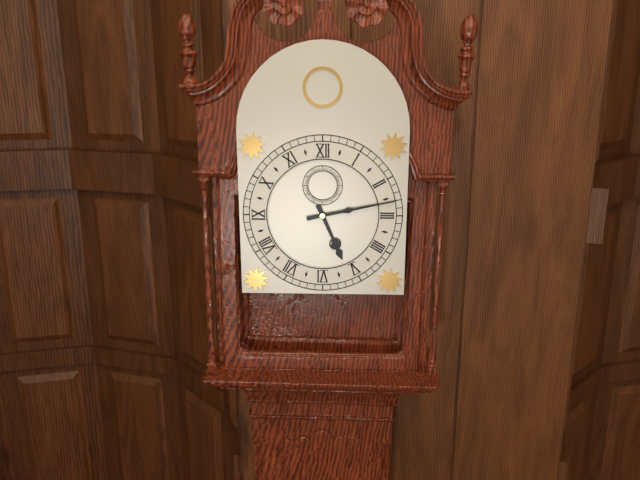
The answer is 5:13
